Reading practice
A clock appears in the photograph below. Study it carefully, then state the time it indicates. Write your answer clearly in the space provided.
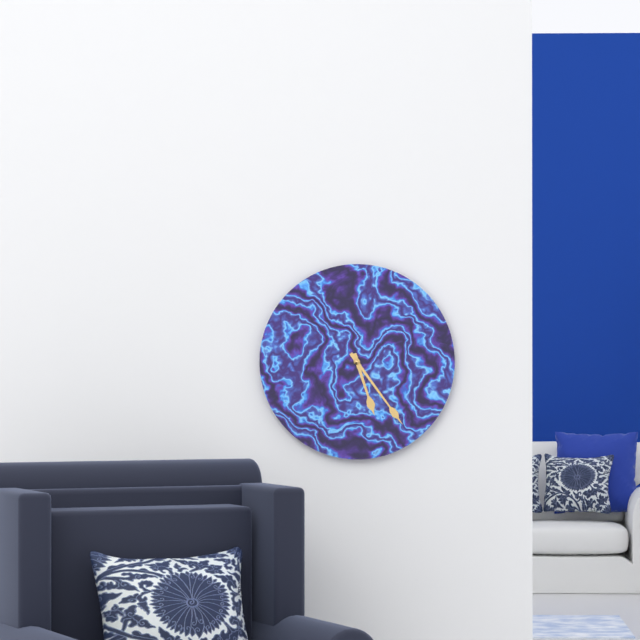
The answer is 5:24
